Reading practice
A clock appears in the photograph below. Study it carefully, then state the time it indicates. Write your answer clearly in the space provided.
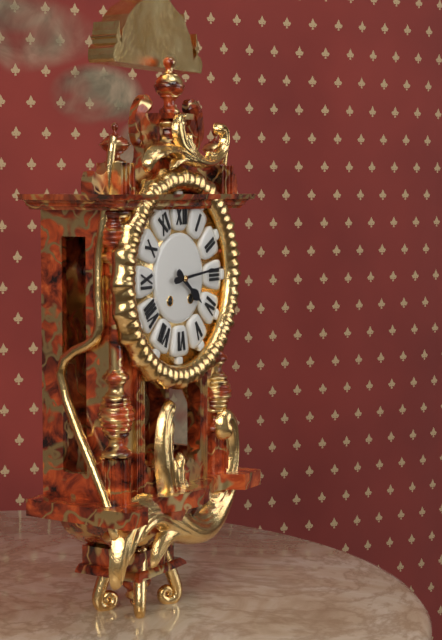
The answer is 4:14
